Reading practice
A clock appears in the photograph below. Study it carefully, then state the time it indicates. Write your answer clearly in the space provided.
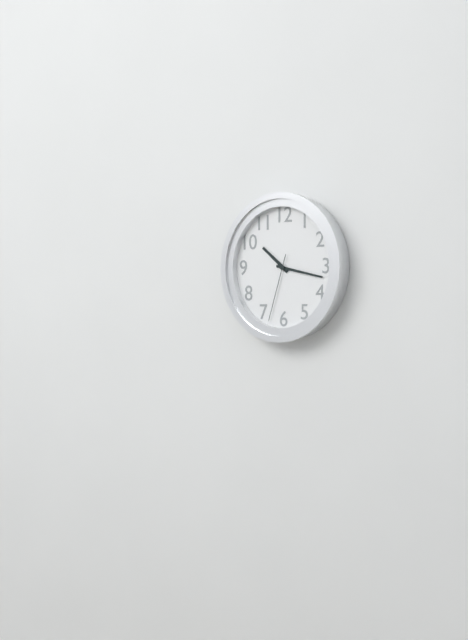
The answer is 10:17:33
